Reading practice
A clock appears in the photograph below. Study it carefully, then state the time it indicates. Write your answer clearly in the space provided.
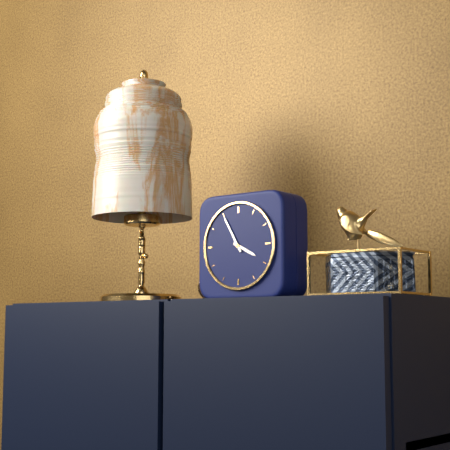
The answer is 3:55
